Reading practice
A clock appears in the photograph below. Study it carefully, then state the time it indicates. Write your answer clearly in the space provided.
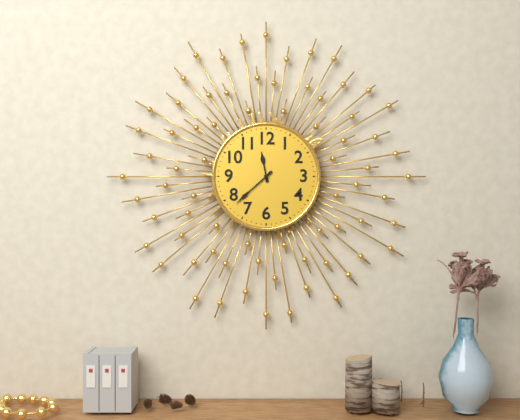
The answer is 11:38
